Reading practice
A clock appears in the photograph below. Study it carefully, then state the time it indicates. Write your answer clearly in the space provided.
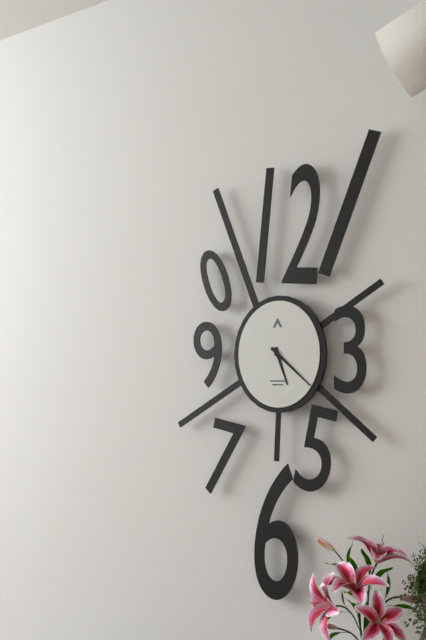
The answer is 5:22
